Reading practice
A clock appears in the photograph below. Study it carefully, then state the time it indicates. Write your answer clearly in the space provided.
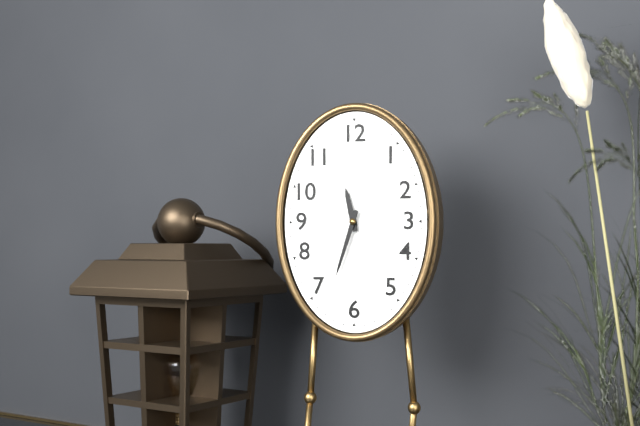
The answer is 11:33
